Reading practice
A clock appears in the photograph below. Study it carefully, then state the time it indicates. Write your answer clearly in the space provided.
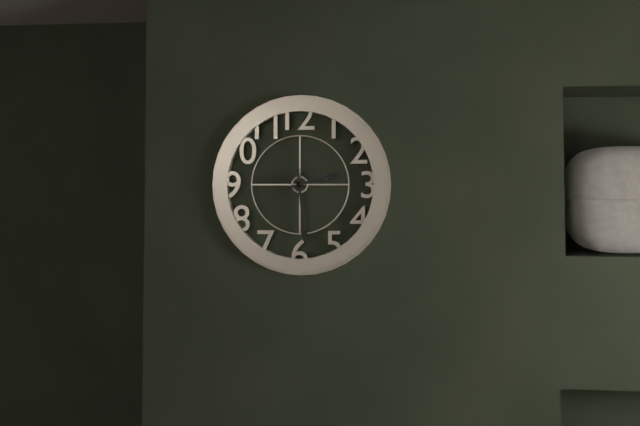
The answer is 2:29
